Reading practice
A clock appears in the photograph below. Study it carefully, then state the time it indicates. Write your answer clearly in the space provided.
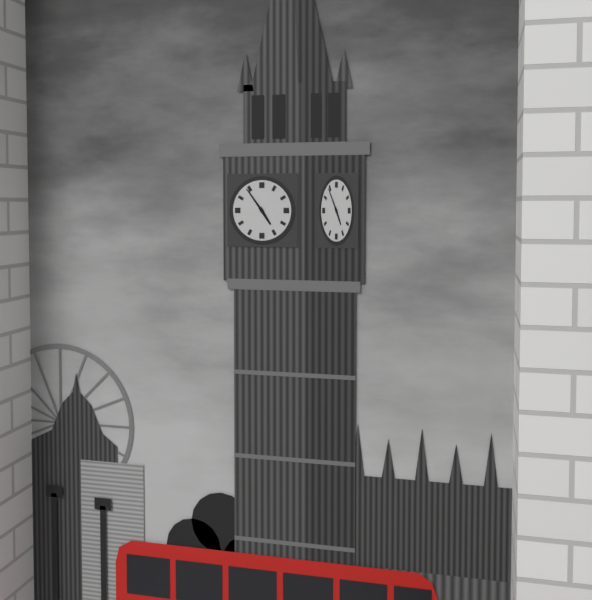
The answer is 4:54
